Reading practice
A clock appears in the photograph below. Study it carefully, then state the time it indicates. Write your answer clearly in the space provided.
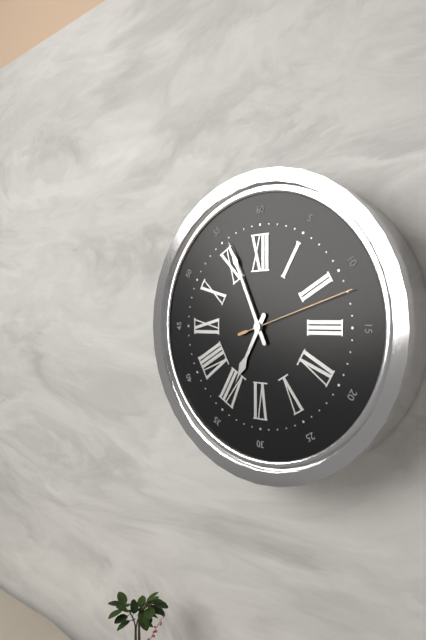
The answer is 6:56:12
